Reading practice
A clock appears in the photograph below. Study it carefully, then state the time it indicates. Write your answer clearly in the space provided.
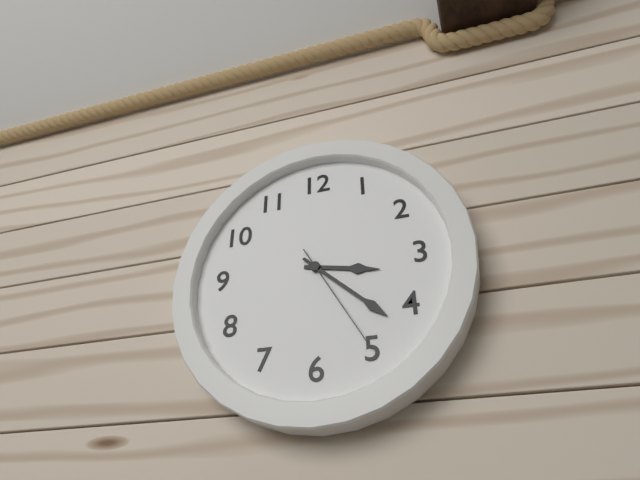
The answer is 3:22:25
